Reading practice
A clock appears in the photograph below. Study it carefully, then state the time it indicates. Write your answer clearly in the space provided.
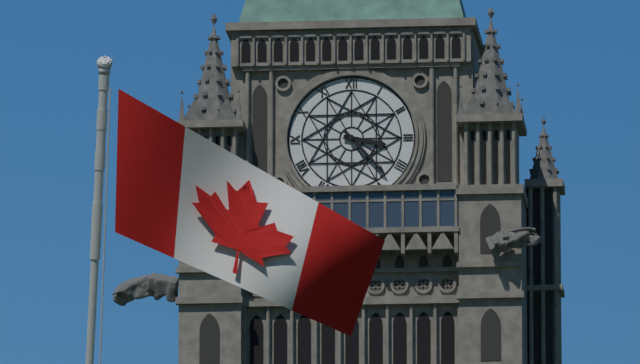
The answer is 3:23
